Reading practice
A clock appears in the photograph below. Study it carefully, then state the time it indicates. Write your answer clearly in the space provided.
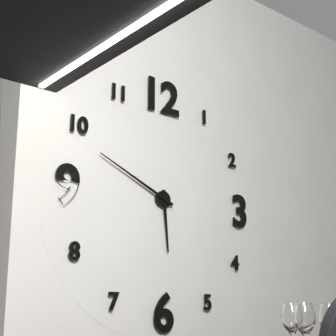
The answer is 5:49
